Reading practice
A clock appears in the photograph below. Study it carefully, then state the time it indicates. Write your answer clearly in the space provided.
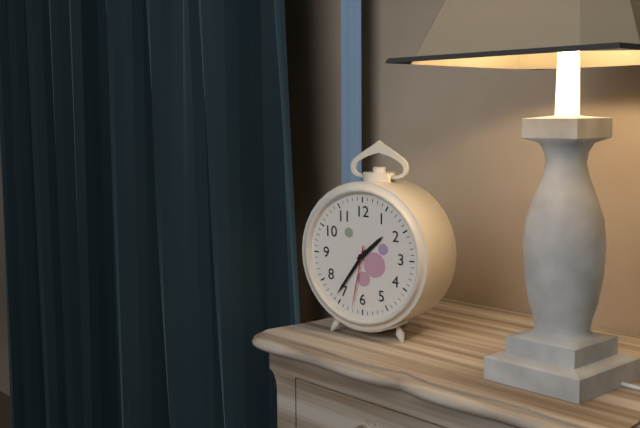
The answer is 1:36:32
